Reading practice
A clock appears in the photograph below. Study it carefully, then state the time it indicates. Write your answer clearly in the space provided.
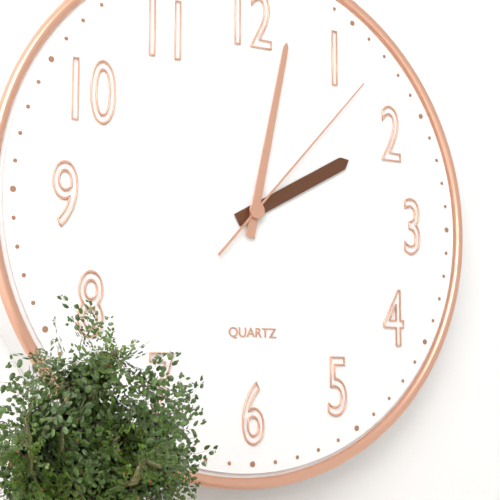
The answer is 2:02:07
